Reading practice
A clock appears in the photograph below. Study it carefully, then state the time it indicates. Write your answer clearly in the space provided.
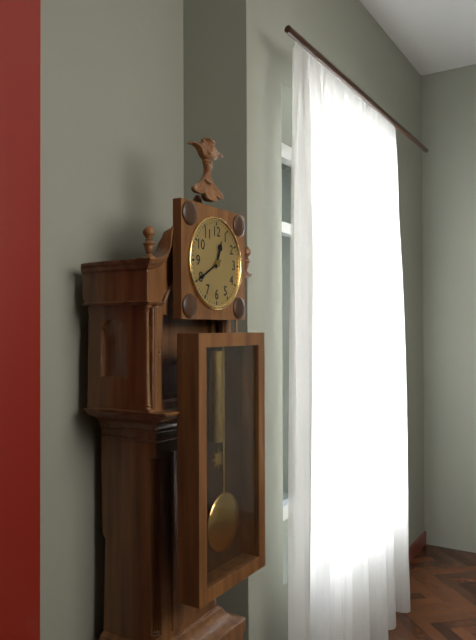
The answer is 12:40
